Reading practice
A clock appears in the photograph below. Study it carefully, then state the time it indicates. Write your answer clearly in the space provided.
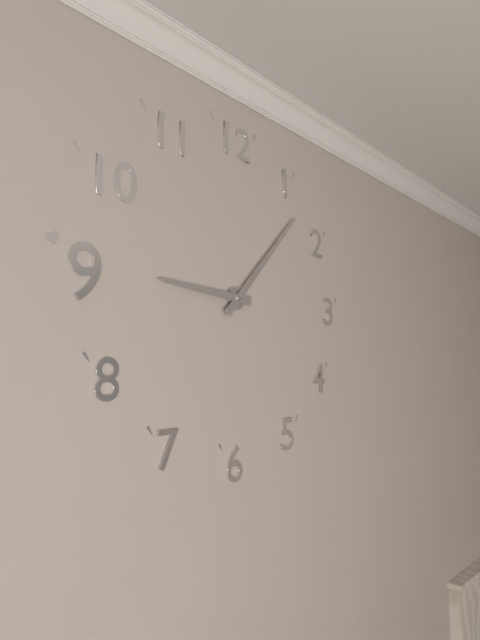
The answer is 9:07
